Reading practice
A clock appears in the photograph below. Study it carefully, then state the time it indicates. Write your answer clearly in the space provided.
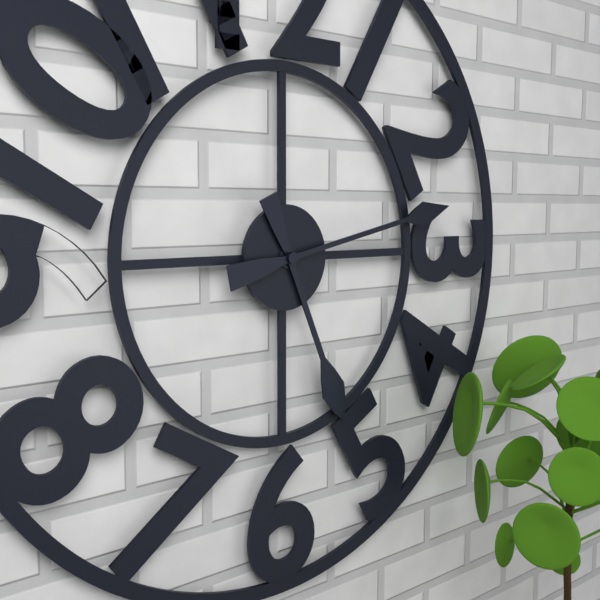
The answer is 5:13
